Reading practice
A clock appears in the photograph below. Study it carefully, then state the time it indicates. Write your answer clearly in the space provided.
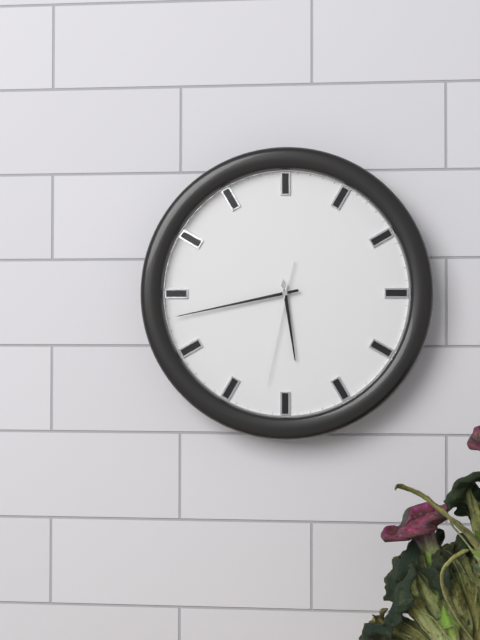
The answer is 5:43:32
